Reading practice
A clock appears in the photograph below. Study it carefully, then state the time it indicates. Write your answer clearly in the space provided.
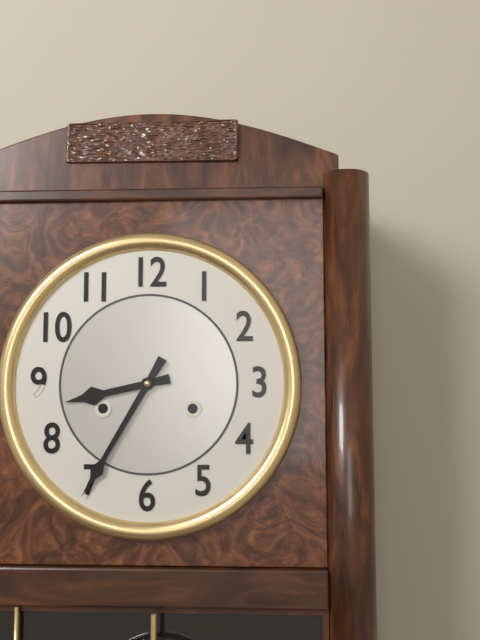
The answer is 8:35
